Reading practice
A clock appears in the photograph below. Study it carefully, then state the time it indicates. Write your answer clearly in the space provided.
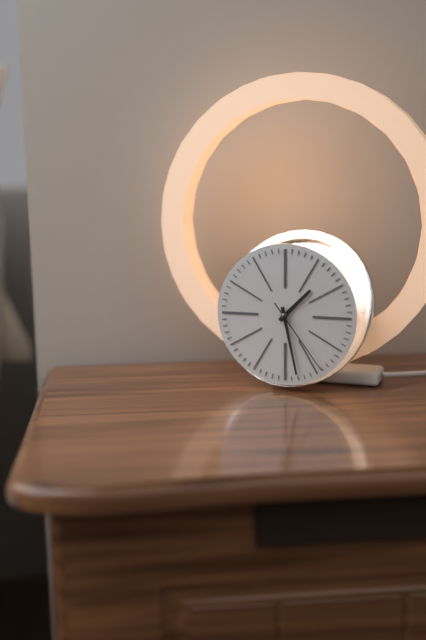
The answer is 1:28:24
